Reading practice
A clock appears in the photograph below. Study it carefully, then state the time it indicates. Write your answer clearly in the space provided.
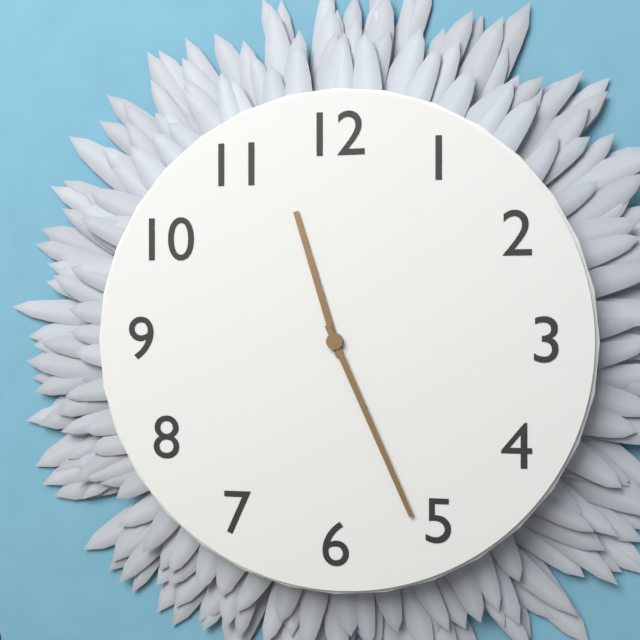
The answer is 11:26
